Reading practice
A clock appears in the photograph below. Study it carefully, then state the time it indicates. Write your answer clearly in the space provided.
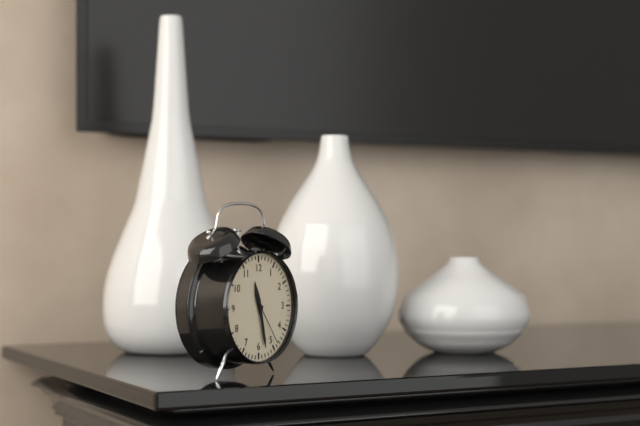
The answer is 11:28
